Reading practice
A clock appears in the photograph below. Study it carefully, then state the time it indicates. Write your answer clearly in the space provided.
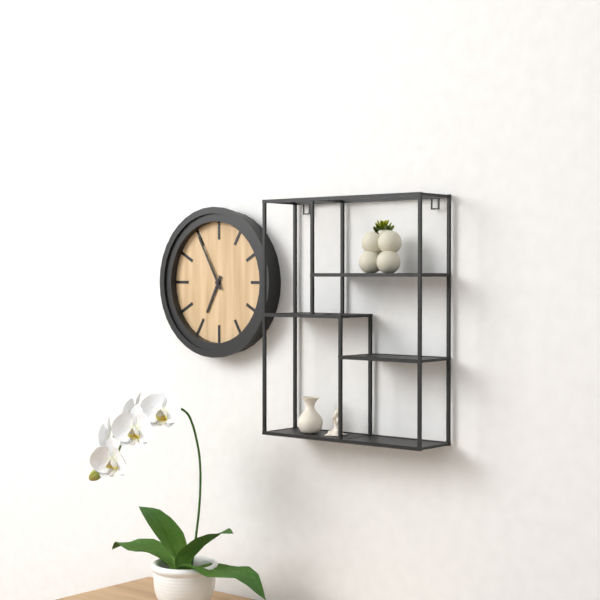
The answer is 6:55
